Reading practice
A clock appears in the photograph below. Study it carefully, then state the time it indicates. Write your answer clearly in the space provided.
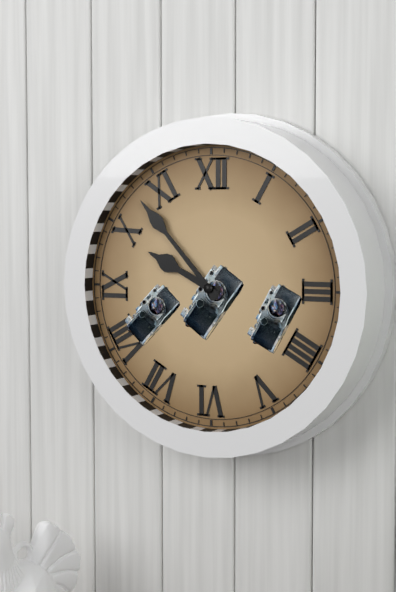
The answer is 9:53
